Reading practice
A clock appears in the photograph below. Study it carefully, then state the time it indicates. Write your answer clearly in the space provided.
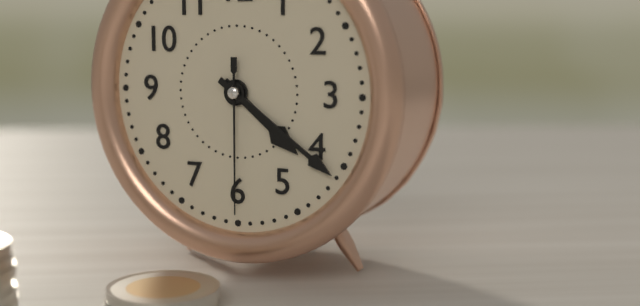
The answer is 4:21:30
